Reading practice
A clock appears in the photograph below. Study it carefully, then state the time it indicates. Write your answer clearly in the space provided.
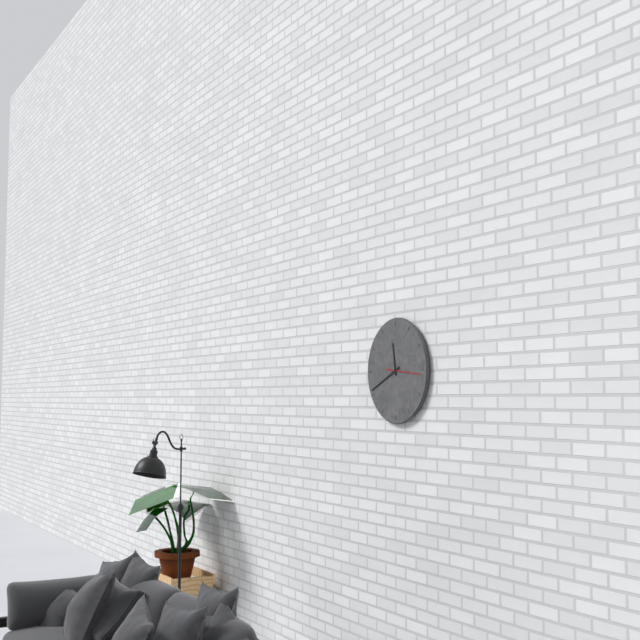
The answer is 11:41
